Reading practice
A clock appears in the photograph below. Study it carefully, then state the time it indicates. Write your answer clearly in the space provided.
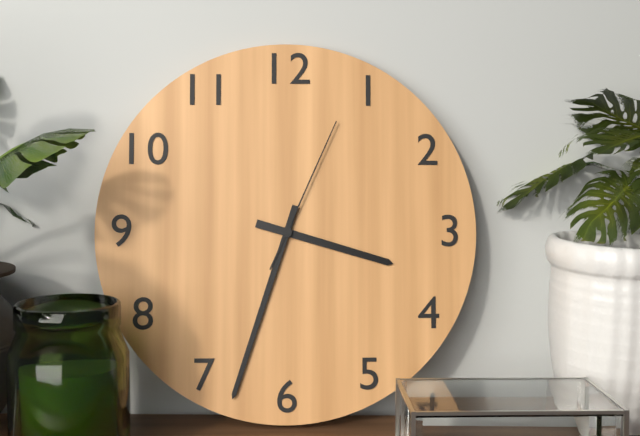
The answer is 3:33:04
